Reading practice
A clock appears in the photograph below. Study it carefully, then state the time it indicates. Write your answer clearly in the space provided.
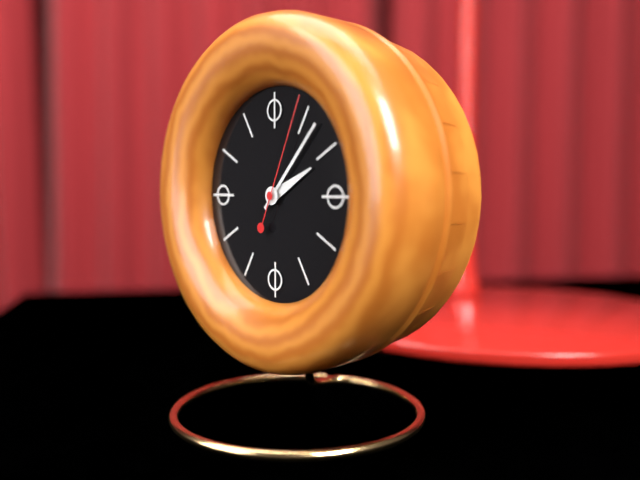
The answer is 2:07:04
